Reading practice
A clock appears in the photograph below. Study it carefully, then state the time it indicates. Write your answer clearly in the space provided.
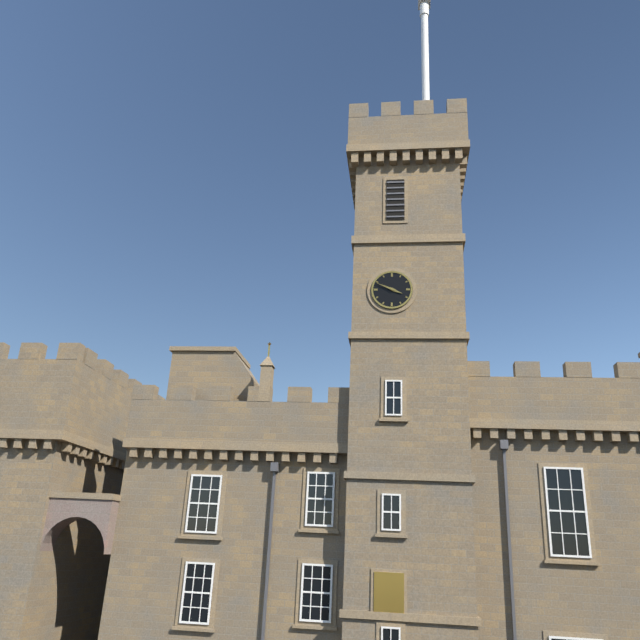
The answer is 3:49
